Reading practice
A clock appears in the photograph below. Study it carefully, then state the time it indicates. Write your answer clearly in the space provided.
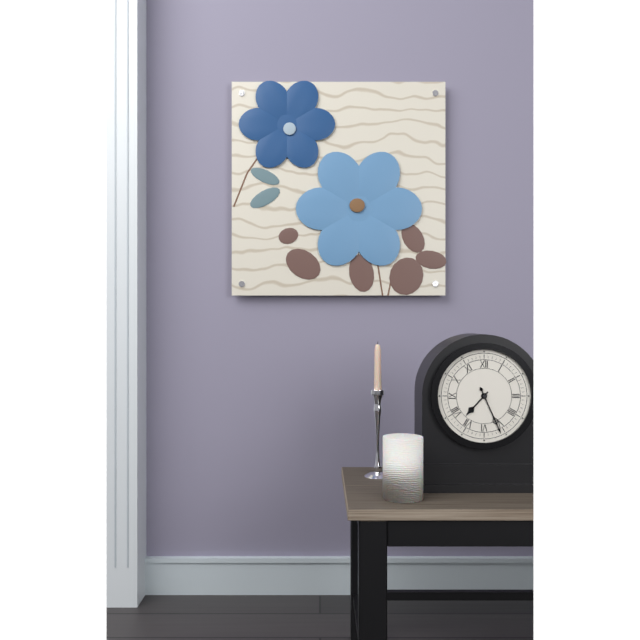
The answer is 7:26
